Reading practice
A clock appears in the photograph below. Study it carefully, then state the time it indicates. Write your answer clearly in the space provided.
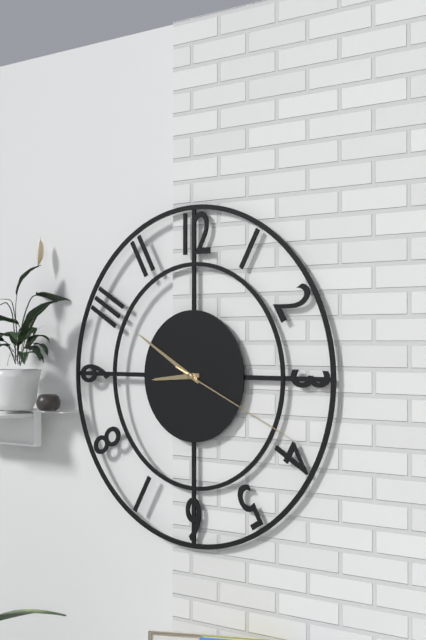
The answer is 8:50:19
